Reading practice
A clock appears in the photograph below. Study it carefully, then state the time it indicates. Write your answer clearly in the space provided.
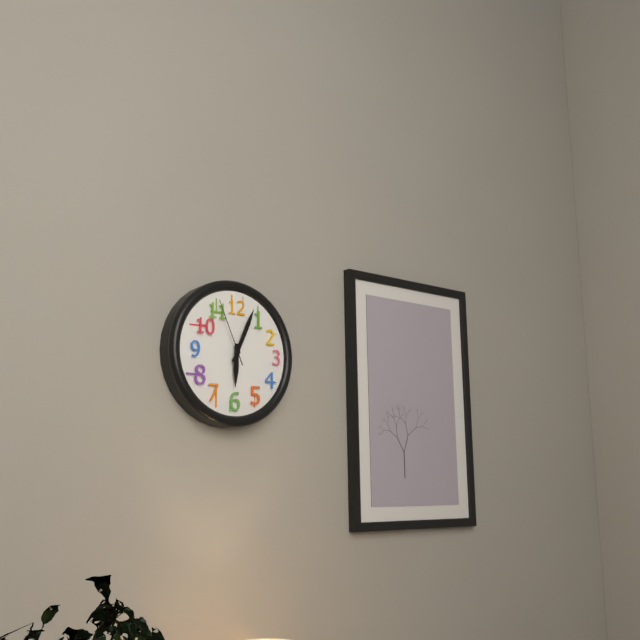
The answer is 6:04:56
